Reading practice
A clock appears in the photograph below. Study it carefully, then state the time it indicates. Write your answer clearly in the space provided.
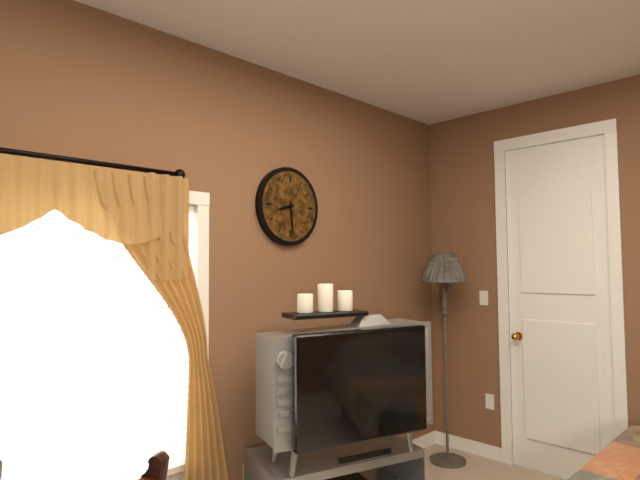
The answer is 8:29
